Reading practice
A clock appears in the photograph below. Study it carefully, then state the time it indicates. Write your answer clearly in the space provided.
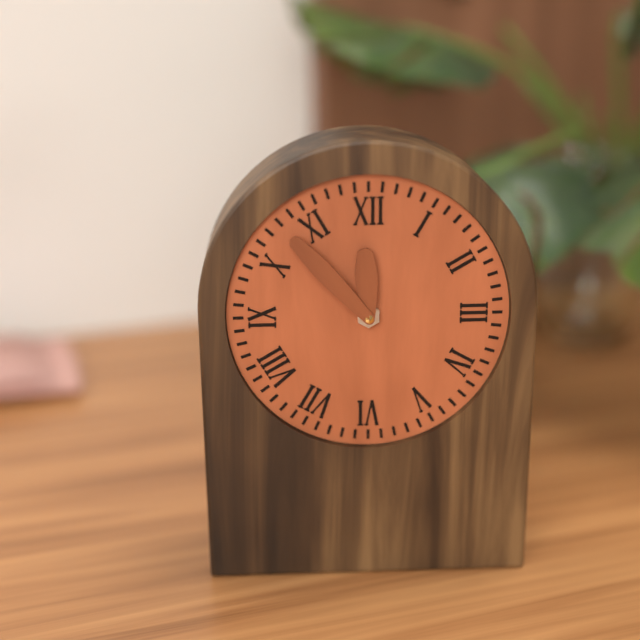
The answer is 11:53
